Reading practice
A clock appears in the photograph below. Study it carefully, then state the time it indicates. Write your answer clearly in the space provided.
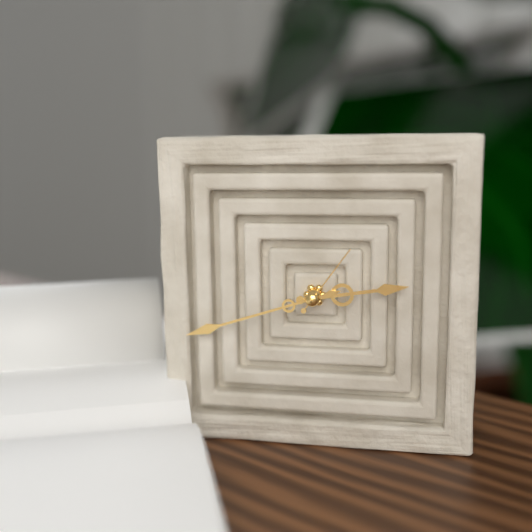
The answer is 2:42:06
